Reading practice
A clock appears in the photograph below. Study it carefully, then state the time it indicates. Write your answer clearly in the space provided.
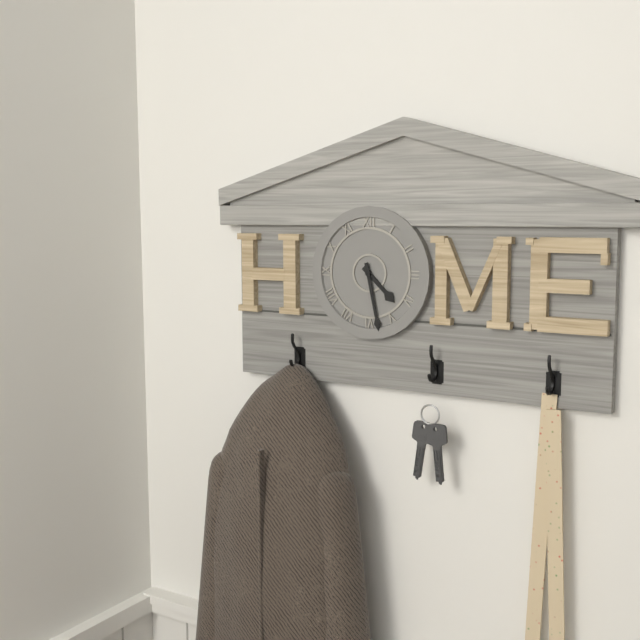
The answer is 4:28
